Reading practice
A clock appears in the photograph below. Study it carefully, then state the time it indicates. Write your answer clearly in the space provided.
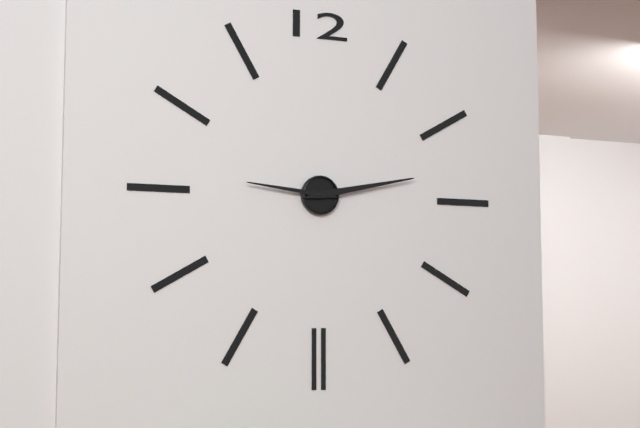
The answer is 9:13
